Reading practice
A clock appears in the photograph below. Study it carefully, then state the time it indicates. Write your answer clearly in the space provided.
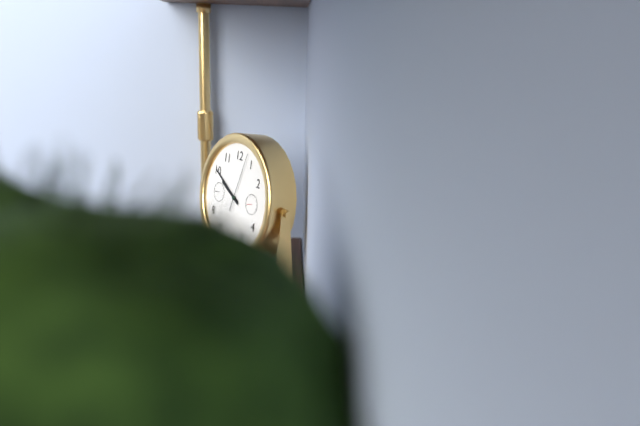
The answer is 9:50:03
